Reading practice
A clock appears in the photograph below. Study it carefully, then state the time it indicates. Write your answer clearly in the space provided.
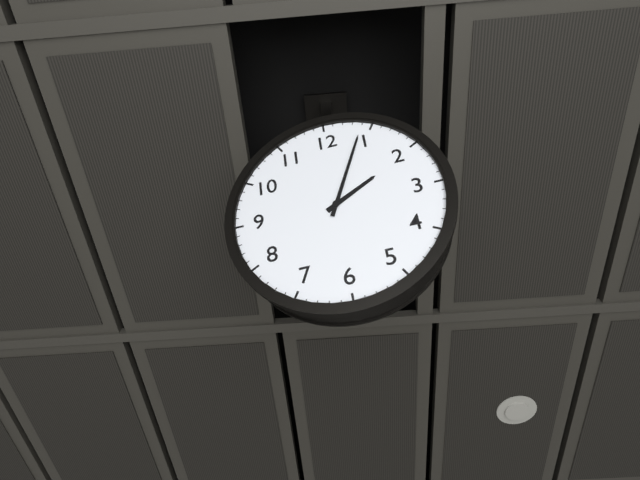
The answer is 2:04
